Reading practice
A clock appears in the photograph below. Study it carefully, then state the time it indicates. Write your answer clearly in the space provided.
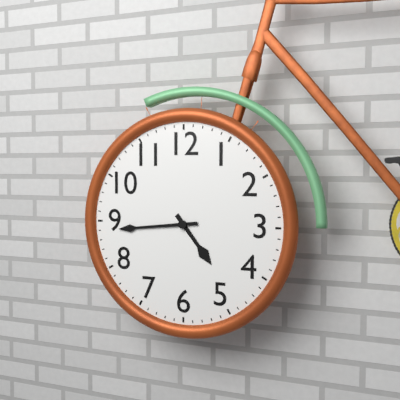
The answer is 4:44
